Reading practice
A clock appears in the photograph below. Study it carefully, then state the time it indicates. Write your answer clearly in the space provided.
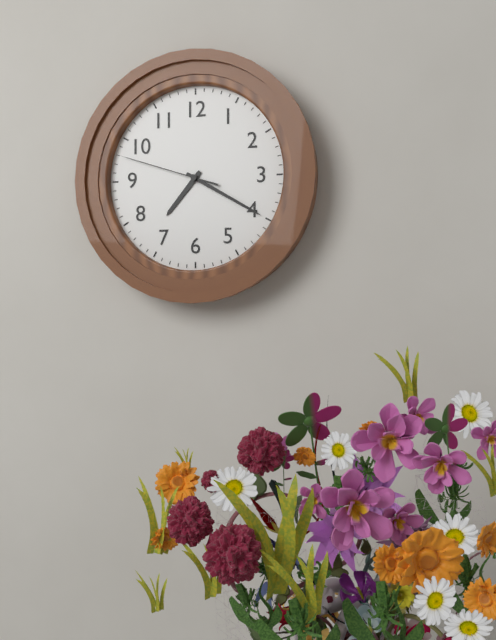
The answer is 7:20:48
